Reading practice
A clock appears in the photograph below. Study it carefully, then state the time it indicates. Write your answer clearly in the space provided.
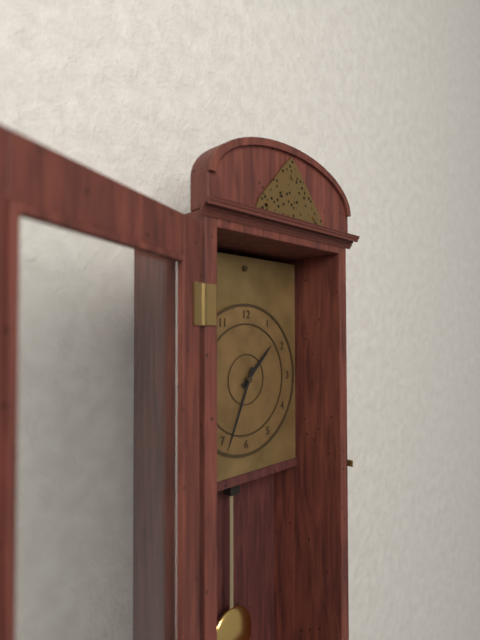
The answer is 1:34
